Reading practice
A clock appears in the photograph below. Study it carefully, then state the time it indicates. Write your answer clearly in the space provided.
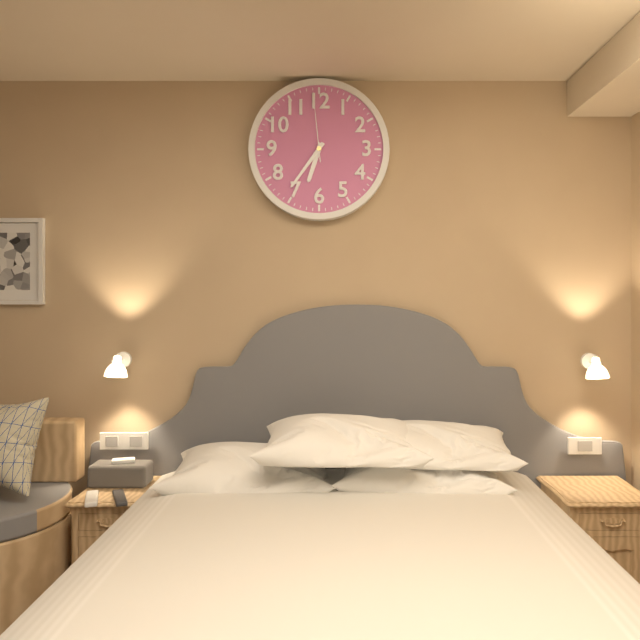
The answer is 6:36:59
